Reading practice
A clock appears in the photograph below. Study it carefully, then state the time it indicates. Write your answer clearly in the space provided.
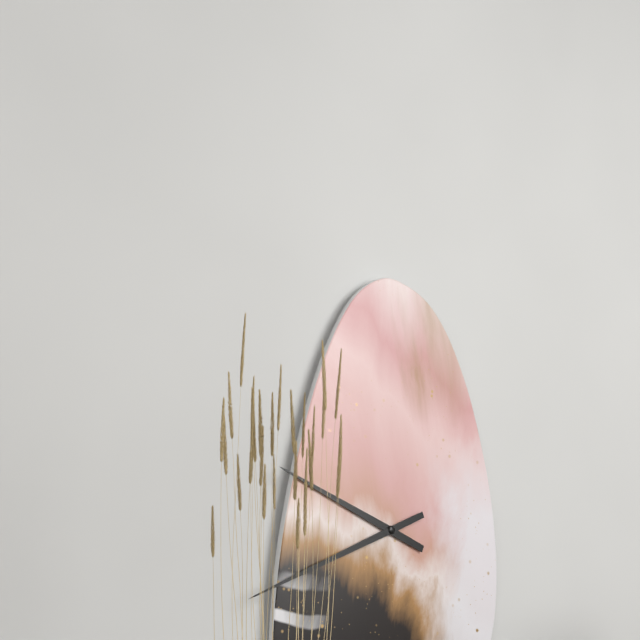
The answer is 9:41
